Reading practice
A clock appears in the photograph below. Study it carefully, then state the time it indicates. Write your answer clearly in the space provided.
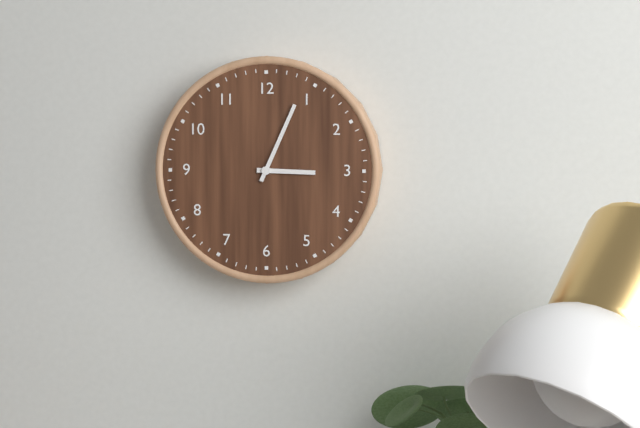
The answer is 3:04
